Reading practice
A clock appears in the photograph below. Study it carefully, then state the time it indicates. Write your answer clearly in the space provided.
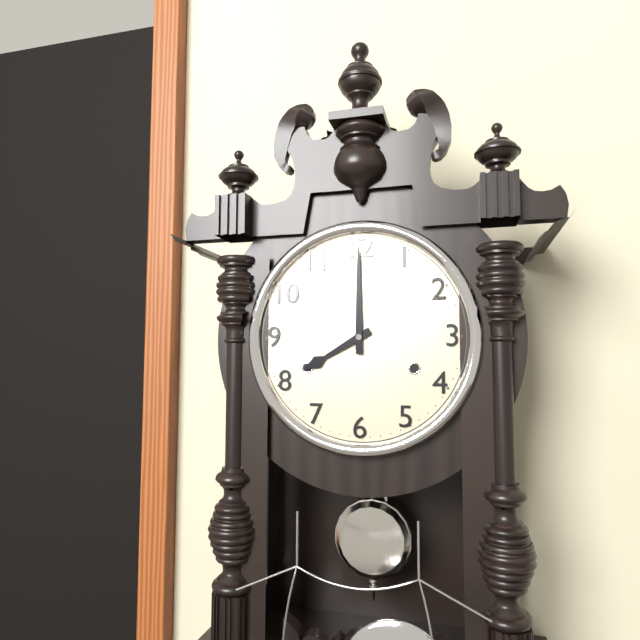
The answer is 8:00
